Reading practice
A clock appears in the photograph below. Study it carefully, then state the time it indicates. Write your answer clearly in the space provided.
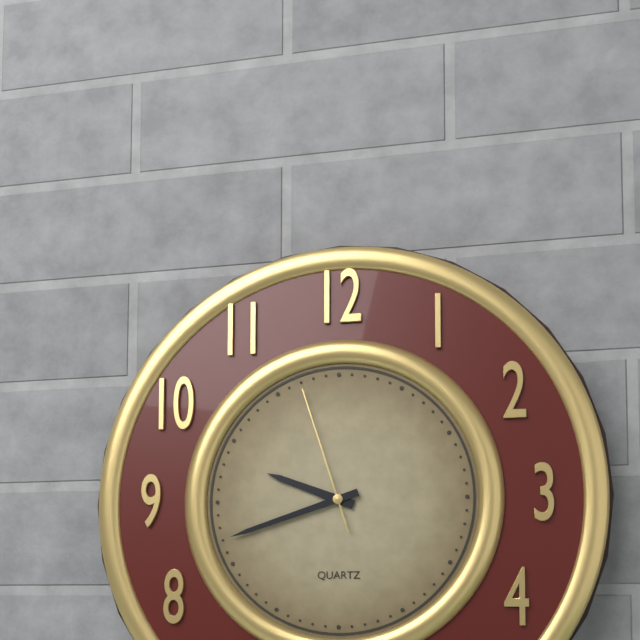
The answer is 9:42:57
